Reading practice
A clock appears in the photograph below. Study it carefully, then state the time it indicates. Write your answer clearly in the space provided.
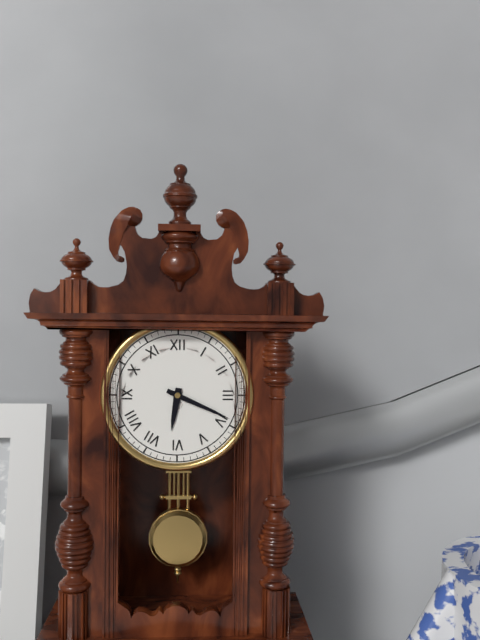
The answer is 6:19
